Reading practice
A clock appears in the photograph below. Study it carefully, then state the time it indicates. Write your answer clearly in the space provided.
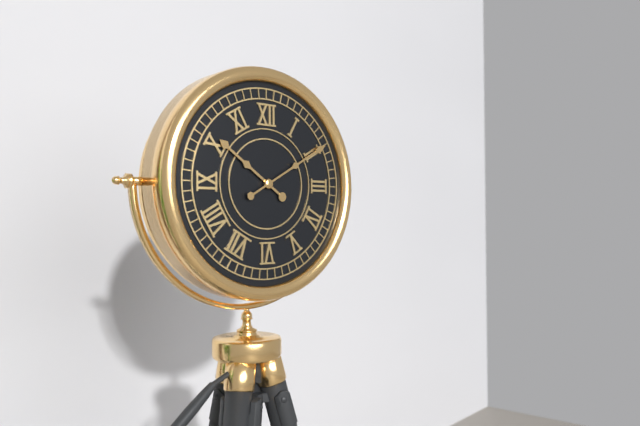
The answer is 10:10
